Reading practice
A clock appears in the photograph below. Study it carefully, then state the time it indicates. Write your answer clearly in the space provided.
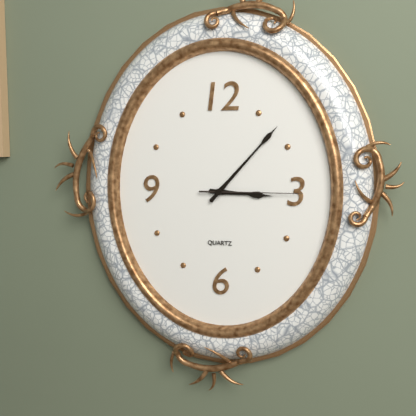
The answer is 3:07:15
